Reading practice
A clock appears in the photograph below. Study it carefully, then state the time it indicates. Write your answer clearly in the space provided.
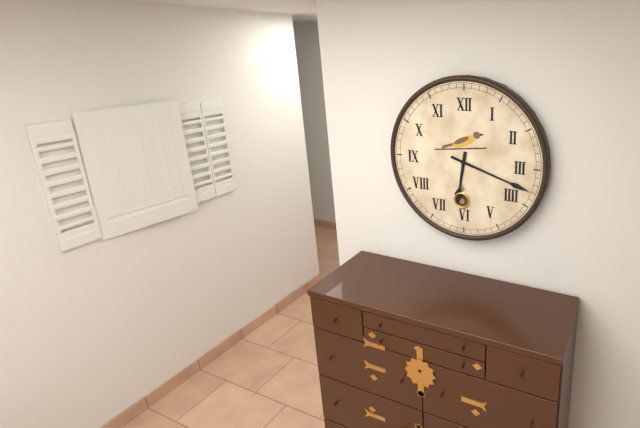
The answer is 6:18
